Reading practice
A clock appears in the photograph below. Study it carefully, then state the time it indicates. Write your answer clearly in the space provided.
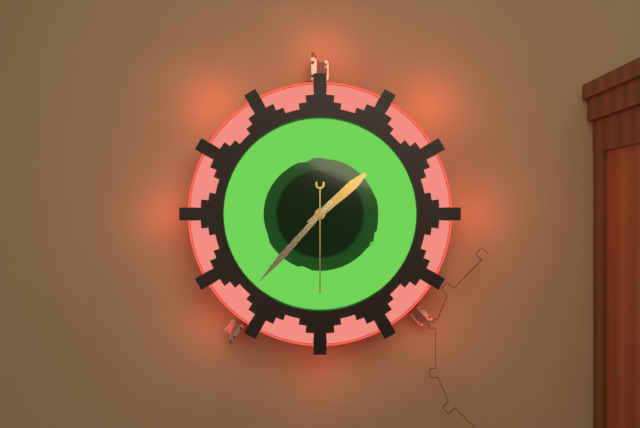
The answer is 1:37:30
